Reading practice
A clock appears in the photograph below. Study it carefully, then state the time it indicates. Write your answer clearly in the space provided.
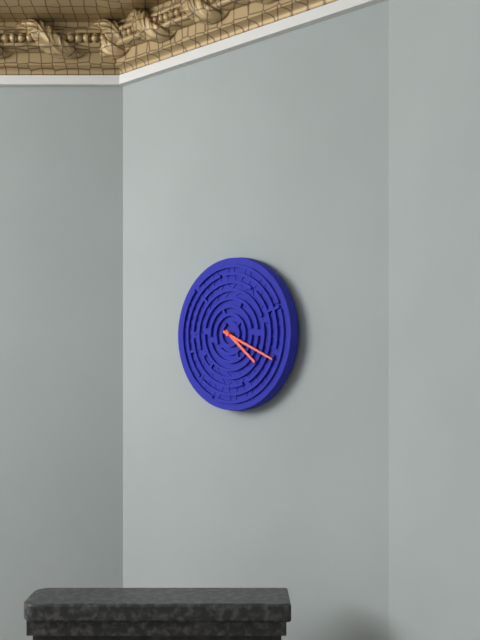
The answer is 4:19
